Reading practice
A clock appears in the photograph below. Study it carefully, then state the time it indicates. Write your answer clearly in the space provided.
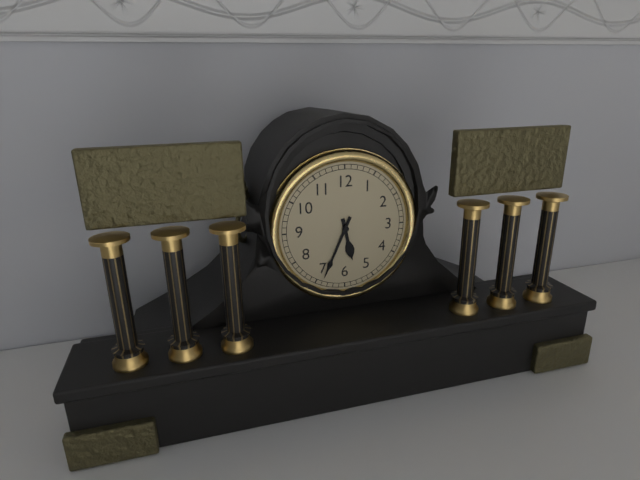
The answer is 5:34
